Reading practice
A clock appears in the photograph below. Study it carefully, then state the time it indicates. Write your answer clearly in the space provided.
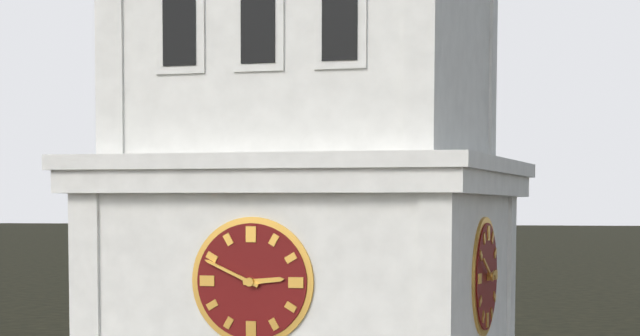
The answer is 2:49
